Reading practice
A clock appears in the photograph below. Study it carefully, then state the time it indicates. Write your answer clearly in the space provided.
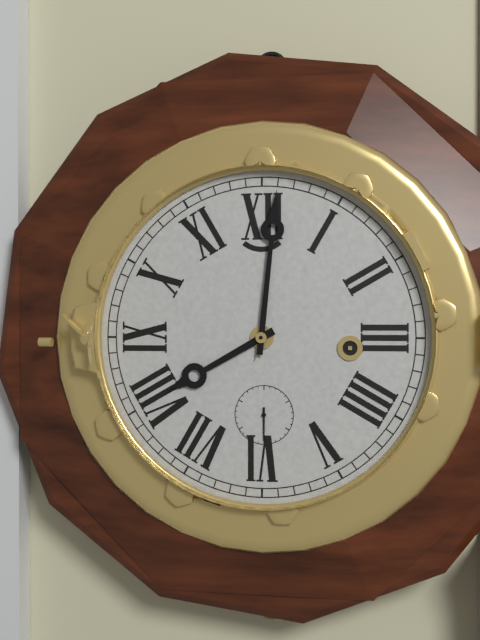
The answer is 8:01
